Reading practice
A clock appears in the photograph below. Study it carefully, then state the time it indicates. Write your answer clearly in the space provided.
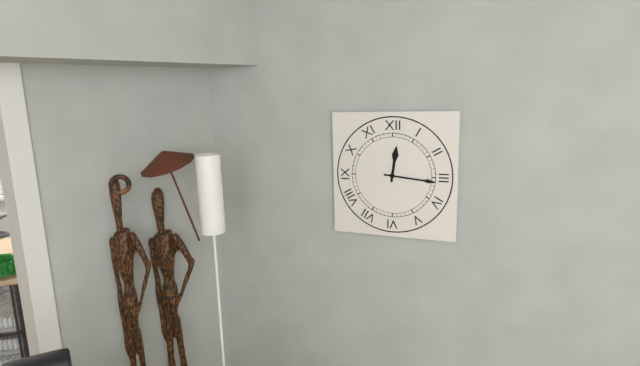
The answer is 12:16
